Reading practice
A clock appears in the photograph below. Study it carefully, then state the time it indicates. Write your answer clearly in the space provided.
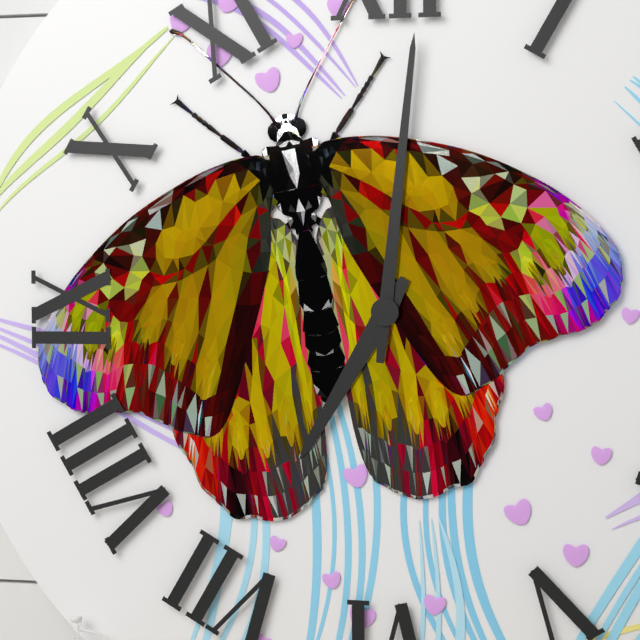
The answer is 7:01
